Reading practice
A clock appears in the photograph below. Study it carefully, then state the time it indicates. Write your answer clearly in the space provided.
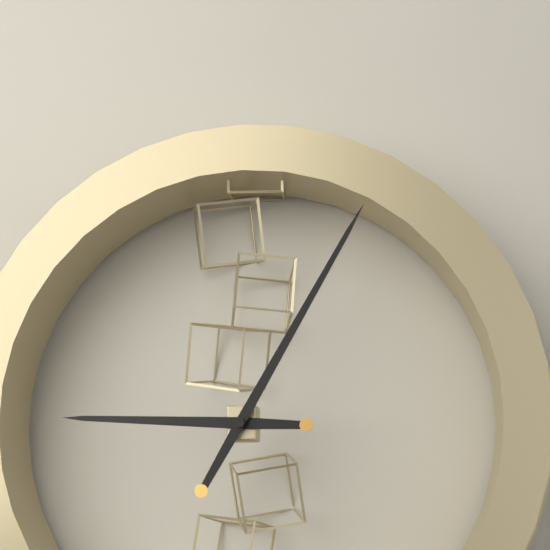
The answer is 9:05
